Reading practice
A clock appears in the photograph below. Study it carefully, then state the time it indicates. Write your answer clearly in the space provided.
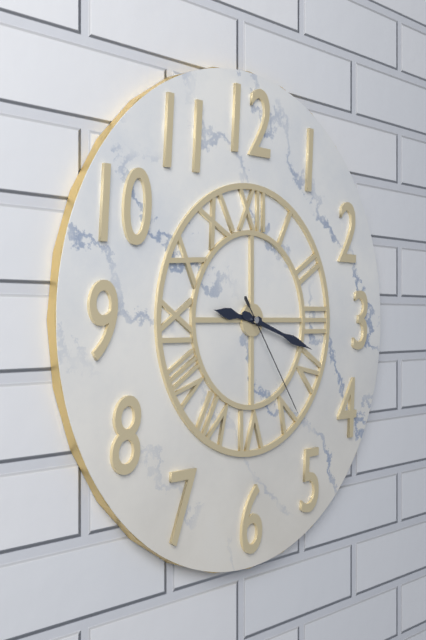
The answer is 9:18:24
